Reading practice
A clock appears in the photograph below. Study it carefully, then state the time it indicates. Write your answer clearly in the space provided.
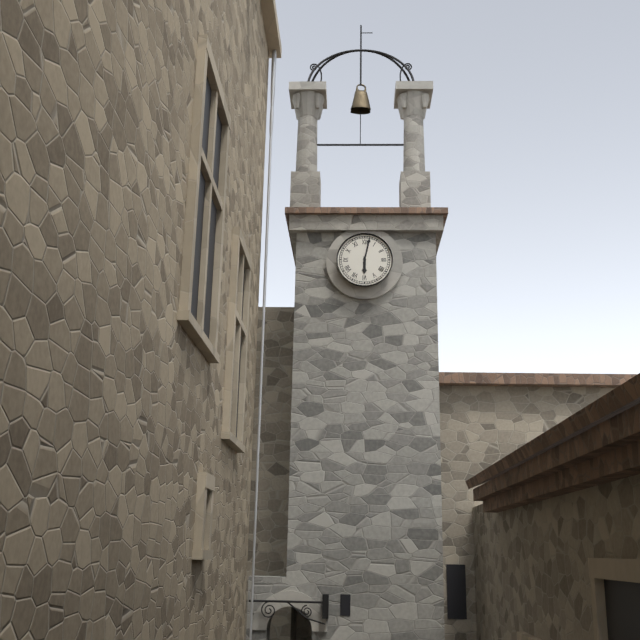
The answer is 6:02
